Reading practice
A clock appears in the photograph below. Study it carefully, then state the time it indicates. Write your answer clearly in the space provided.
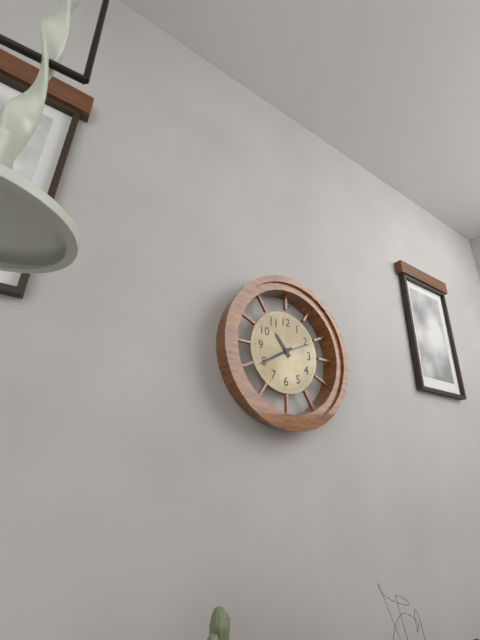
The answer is 10:40
